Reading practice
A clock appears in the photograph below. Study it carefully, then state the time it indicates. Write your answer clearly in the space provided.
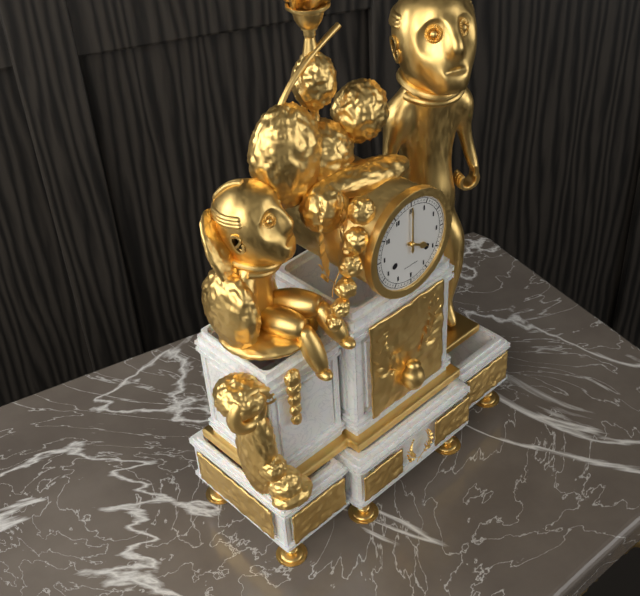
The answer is 4:00
